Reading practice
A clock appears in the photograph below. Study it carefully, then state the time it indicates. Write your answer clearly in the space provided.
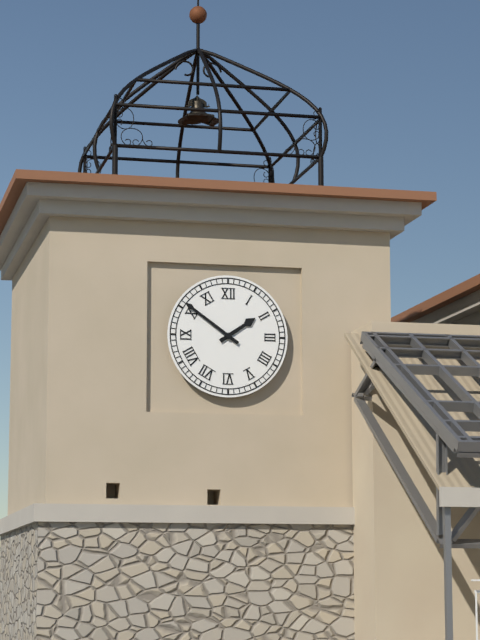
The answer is 1:51
